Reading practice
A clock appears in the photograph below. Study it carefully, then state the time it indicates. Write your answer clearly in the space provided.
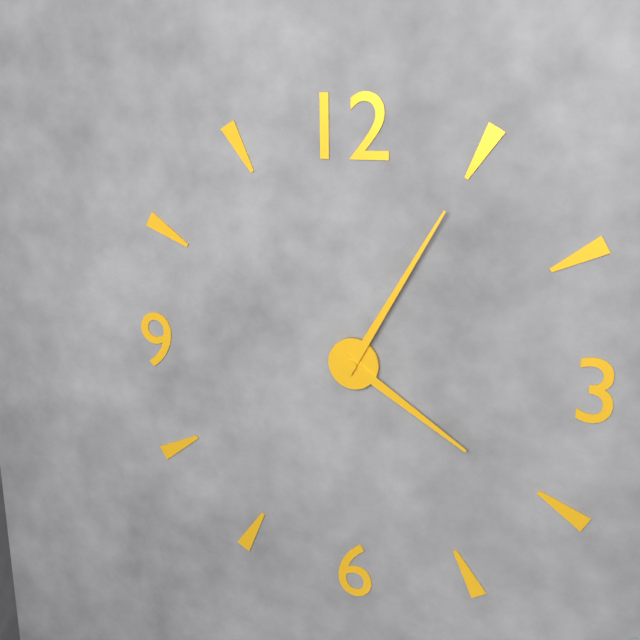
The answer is 4:05
